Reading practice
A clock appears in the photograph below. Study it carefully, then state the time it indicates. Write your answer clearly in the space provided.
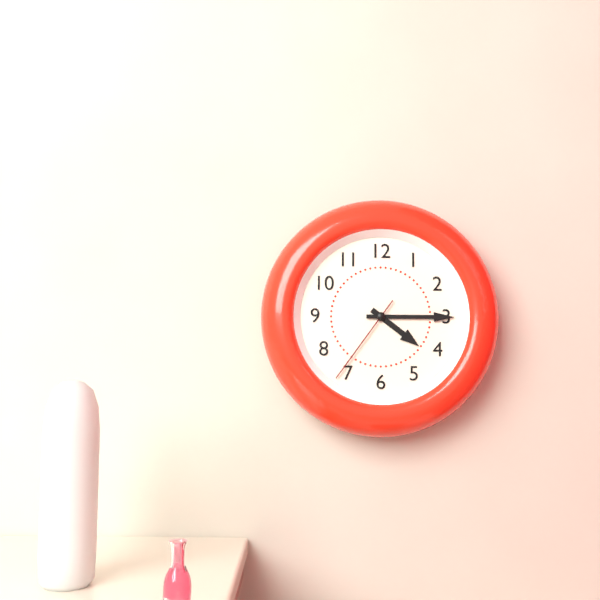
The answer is 4:15:36
